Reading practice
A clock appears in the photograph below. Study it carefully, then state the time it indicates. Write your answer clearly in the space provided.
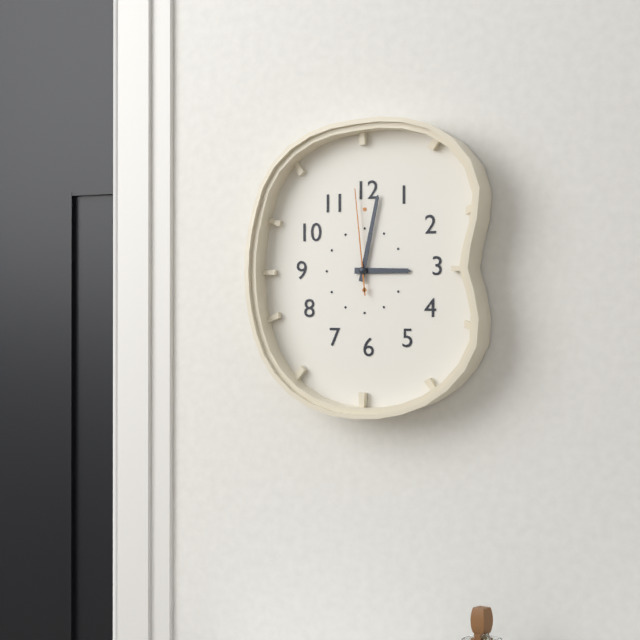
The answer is 3:02:59
